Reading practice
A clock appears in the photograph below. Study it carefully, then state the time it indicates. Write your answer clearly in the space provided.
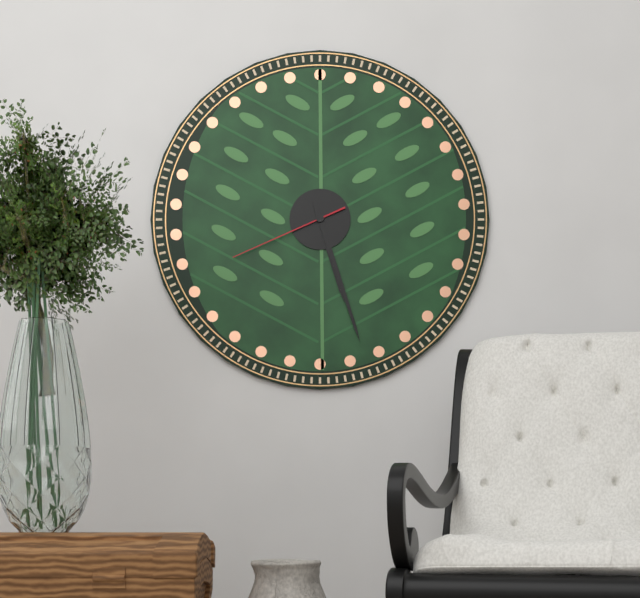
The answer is 5:27:41
